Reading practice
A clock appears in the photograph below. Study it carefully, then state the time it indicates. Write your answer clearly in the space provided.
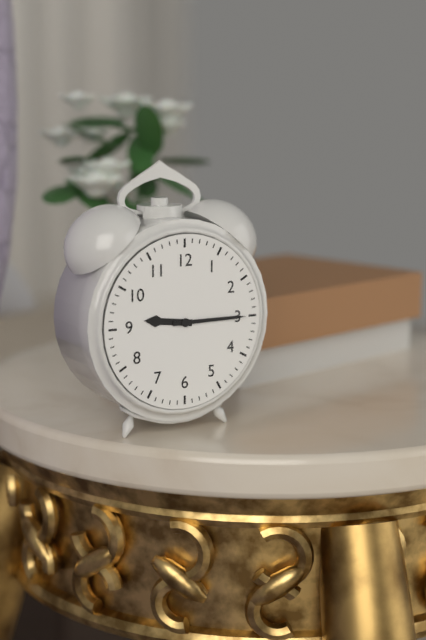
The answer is 9:15
